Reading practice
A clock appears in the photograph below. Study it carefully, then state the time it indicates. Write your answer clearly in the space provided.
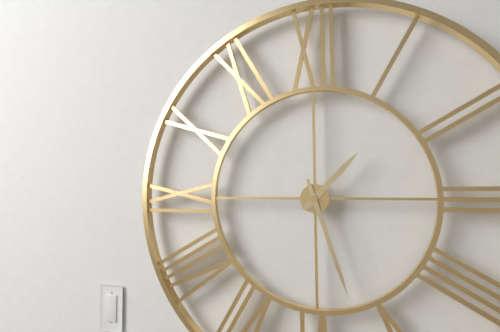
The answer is 1:27
